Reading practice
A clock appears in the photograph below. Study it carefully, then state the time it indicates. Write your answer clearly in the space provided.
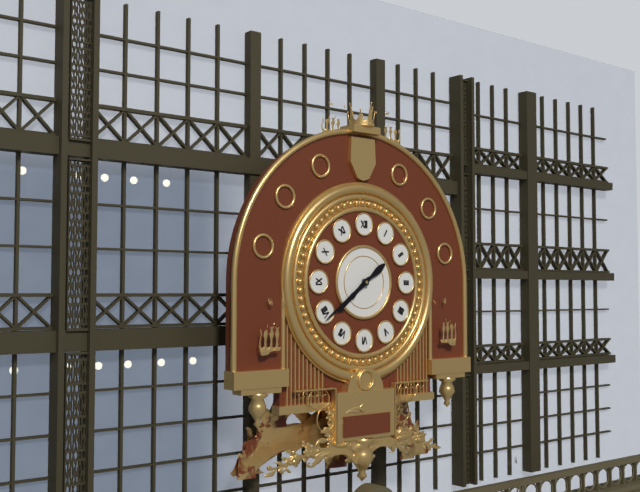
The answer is 7:39
